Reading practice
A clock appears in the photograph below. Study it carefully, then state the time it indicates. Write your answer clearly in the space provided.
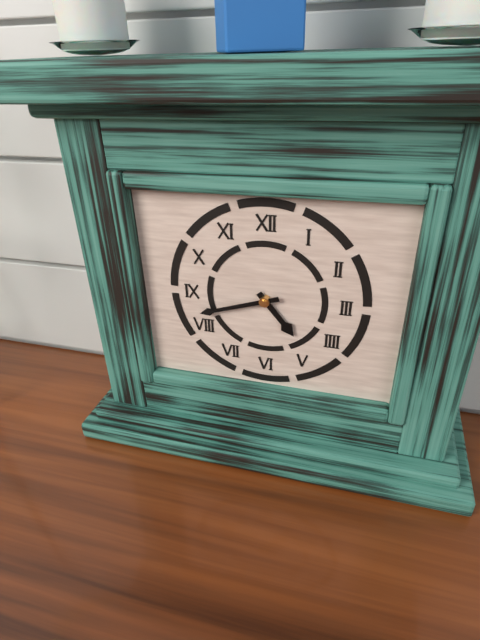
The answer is 4:42
